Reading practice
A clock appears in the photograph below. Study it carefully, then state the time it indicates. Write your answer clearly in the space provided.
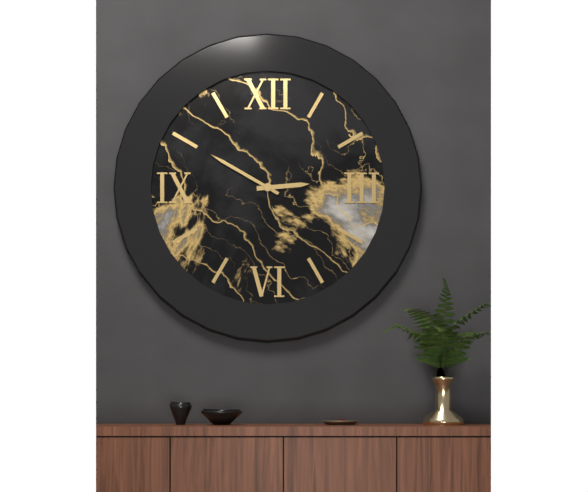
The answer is 2:50
